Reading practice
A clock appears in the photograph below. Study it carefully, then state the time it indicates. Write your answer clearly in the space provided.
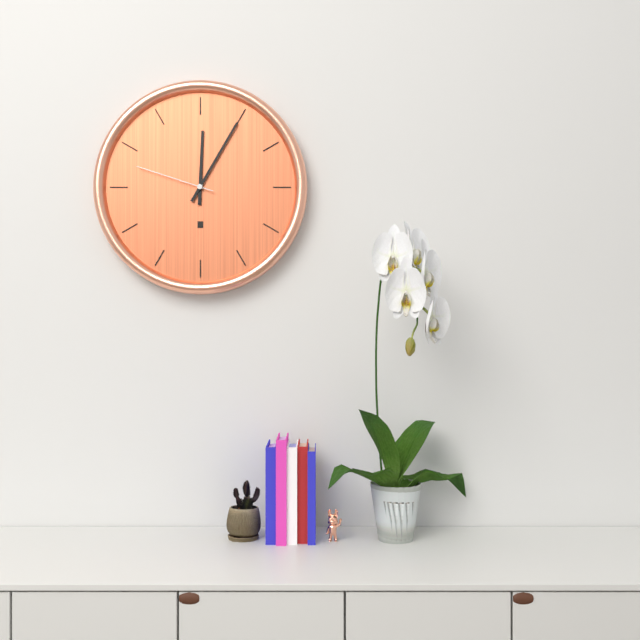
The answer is 12:05:48
